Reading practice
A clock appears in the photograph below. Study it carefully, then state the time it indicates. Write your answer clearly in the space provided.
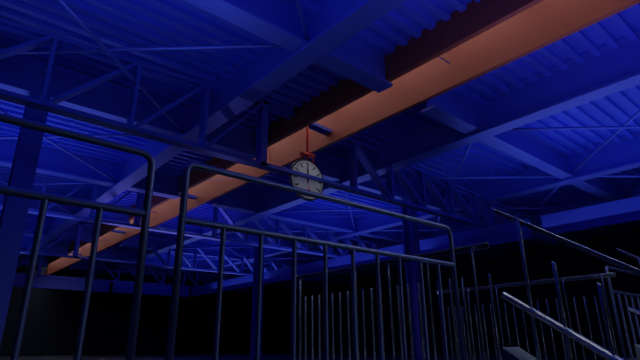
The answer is 12:00
